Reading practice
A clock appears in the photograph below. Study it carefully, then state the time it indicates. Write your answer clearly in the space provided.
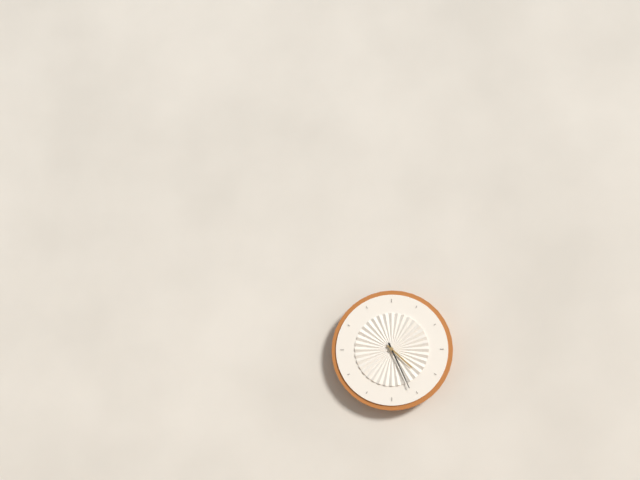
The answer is 4:26
